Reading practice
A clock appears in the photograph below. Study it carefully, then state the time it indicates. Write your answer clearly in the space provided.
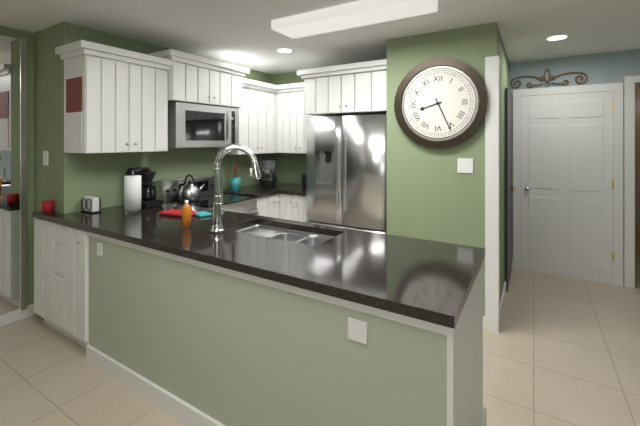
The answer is 8:26
